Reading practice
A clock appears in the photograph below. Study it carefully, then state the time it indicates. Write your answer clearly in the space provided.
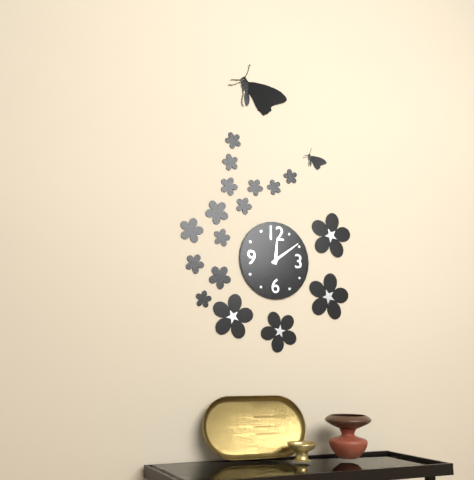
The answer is 12:09
